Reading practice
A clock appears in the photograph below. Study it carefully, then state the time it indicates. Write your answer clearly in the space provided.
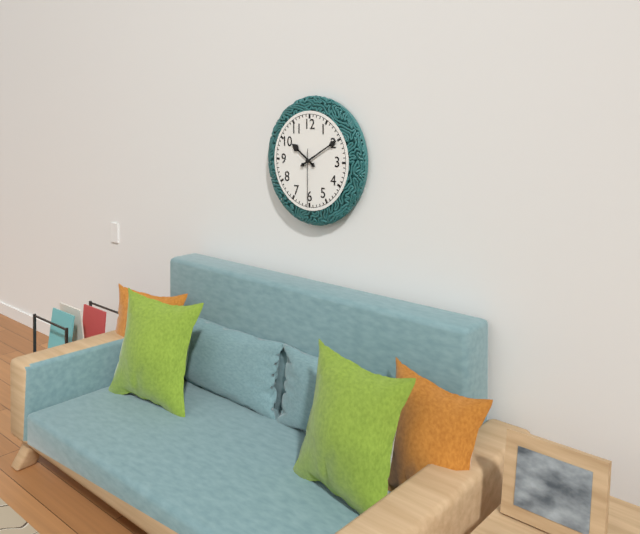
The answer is 10:10:30
